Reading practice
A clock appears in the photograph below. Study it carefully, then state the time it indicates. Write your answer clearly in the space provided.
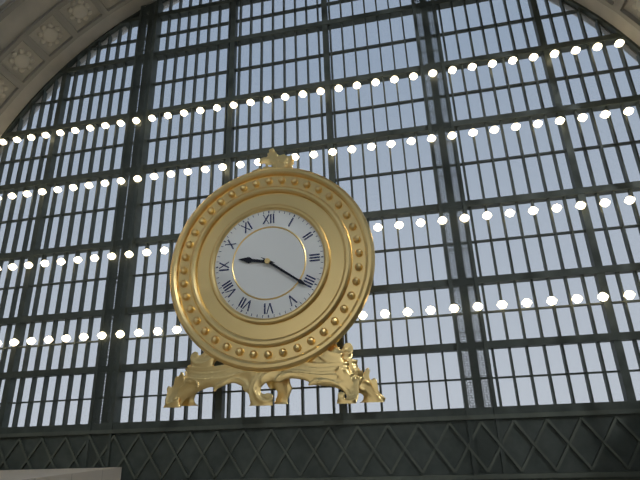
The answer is 9:21
